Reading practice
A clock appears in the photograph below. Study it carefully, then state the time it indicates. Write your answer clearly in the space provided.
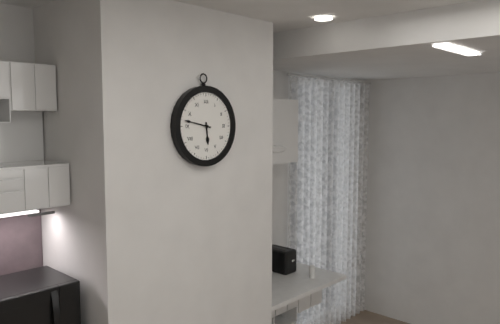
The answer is 5:47
